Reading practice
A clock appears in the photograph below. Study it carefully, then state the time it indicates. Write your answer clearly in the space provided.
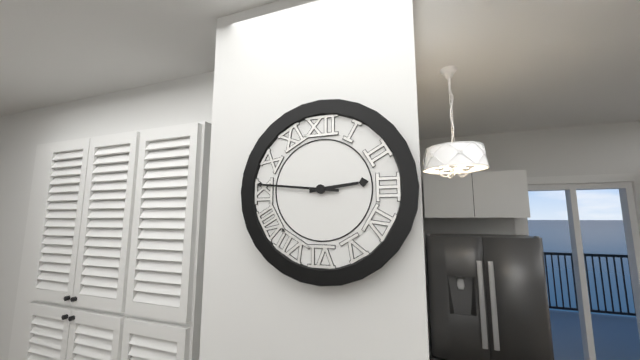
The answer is 2:46
